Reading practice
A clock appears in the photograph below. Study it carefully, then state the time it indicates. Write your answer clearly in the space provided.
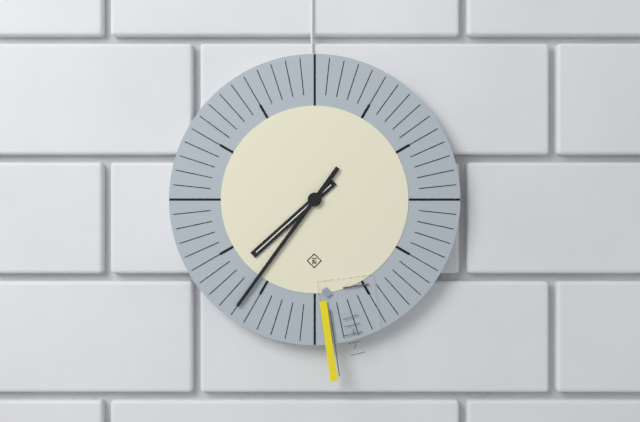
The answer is 7:36
